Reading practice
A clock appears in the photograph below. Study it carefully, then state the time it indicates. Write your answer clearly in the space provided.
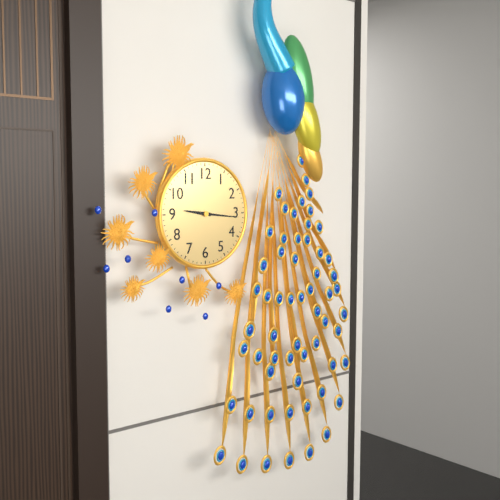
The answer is 9:16
